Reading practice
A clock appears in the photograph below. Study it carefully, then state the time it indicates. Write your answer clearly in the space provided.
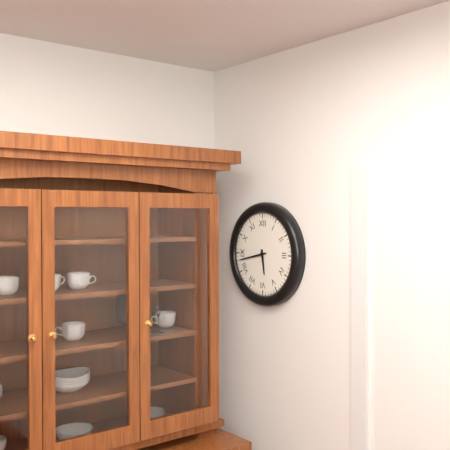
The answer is 5:43
